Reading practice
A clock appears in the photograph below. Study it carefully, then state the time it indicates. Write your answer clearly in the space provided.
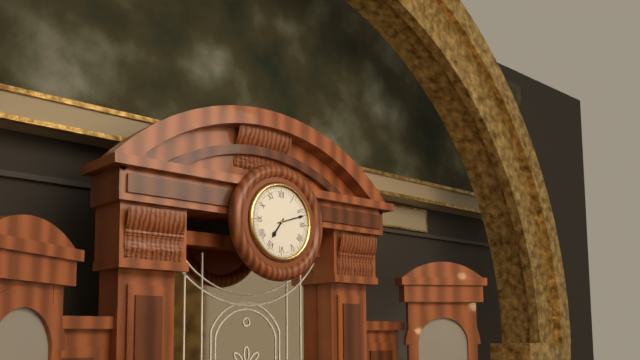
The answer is 7:12
